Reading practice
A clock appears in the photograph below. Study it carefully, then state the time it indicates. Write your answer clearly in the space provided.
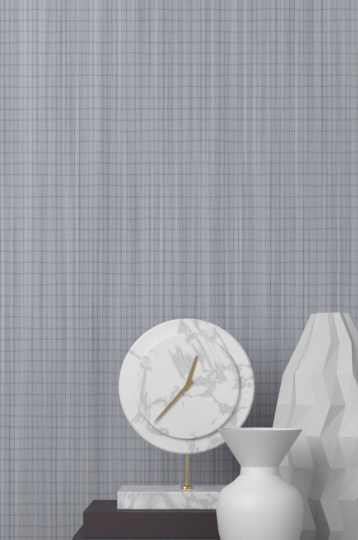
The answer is 12:37
